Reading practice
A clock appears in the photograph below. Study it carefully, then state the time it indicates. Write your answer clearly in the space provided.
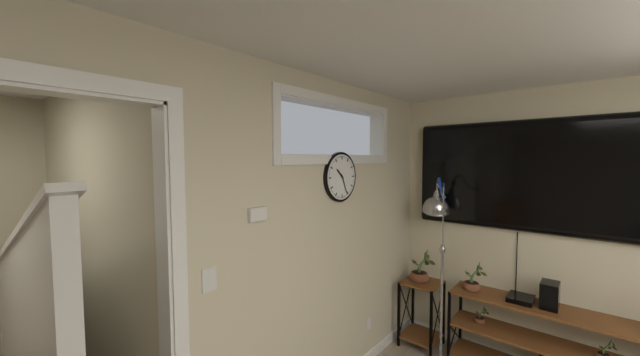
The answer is 10:26
